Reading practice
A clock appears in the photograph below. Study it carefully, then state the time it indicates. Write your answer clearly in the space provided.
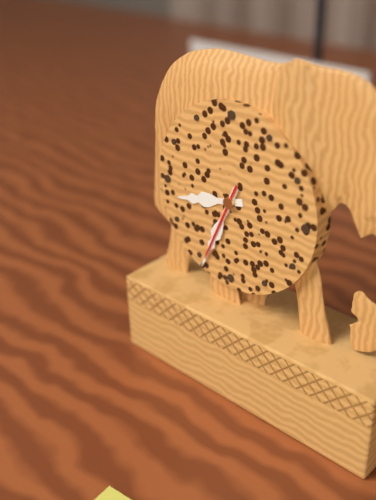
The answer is 8:34:34
